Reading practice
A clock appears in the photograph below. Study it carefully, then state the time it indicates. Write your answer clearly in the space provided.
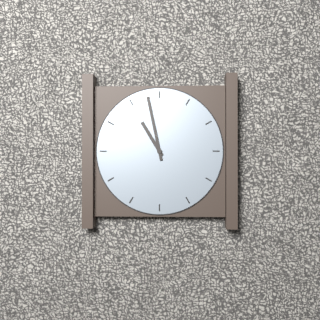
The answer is 10:58
